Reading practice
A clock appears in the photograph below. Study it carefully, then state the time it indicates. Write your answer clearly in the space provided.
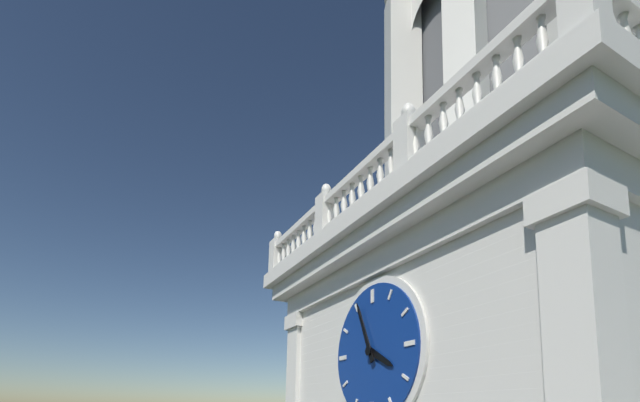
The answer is 3:56
